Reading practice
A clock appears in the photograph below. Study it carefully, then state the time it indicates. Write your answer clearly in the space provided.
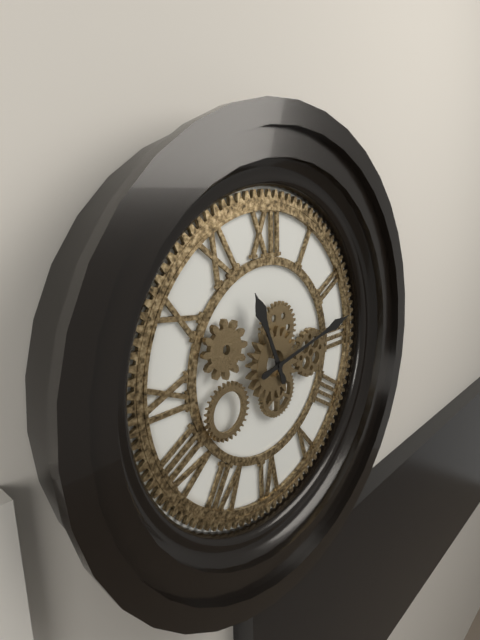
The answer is 11:13
